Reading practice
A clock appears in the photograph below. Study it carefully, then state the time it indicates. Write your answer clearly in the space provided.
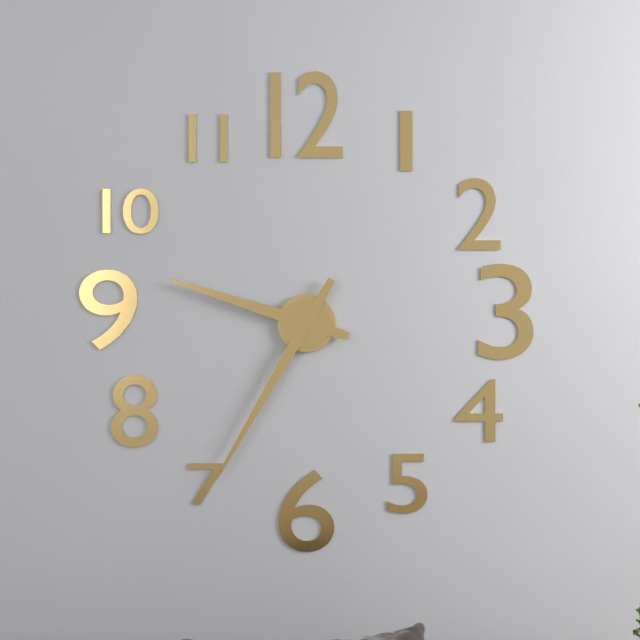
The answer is 9:35
